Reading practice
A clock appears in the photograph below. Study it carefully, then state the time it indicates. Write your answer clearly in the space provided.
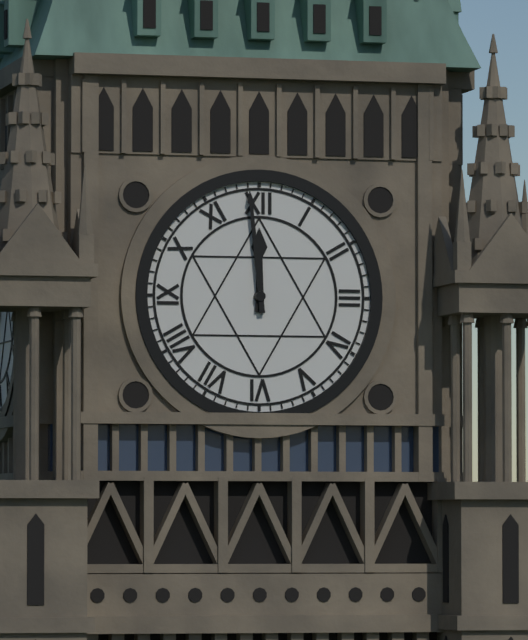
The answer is 11:59
